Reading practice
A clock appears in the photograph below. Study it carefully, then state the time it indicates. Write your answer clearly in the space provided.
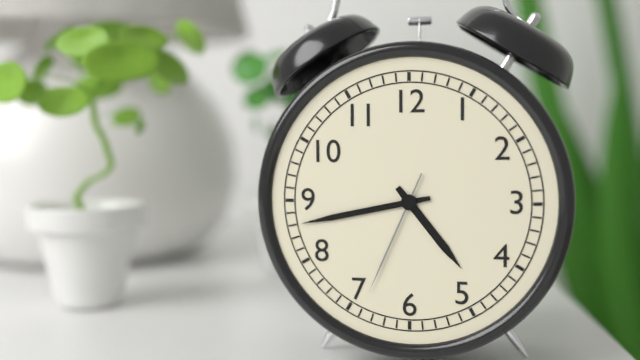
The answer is 4:43:34
